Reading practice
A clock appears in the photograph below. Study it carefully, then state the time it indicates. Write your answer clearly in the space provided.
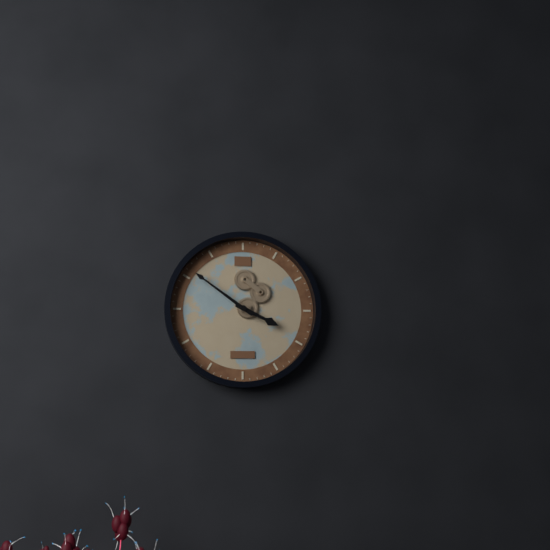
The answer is 3:51
